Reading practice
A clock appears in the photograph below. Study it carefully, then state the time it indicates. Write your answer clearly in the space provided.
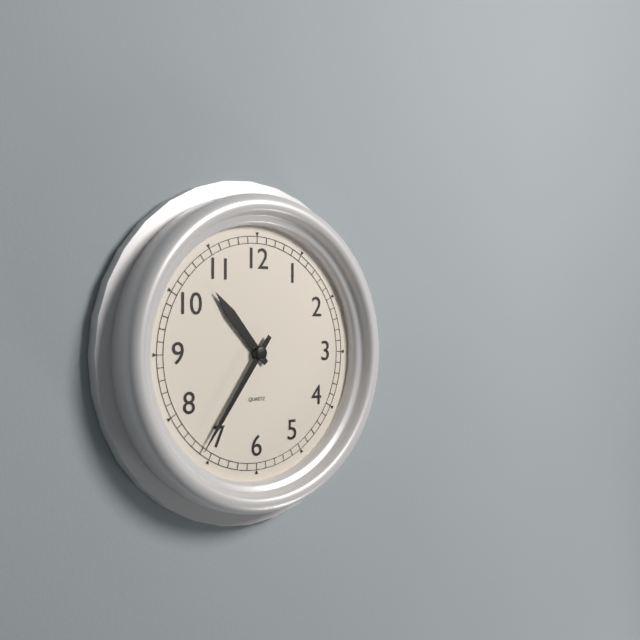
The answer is 10:36
